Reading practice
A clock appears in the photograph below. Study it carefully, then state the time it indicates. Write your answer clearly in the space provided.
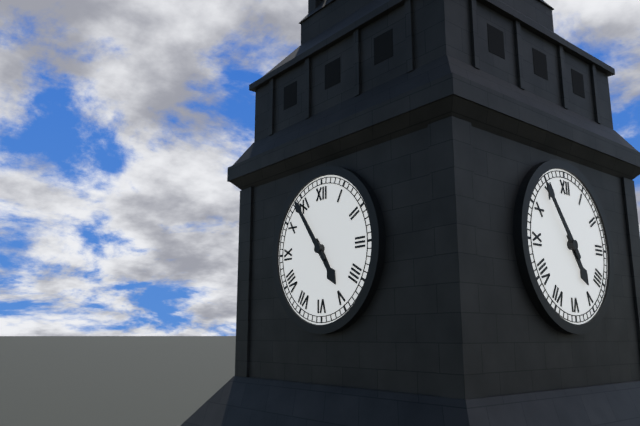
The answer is 4:54
